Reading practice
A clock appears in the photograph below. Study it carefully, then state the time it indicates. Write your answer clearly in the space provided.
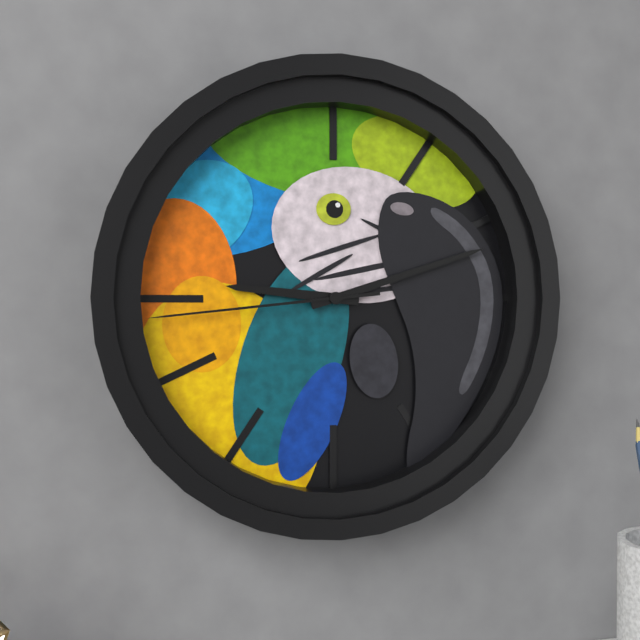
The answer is 9:12:44
